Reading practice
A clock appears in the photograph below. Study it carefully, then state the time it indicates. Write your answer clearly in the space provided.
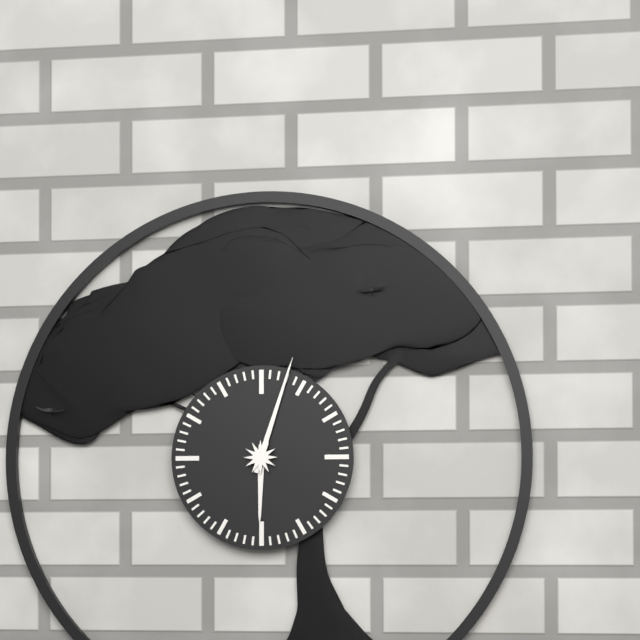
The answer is 6:03
